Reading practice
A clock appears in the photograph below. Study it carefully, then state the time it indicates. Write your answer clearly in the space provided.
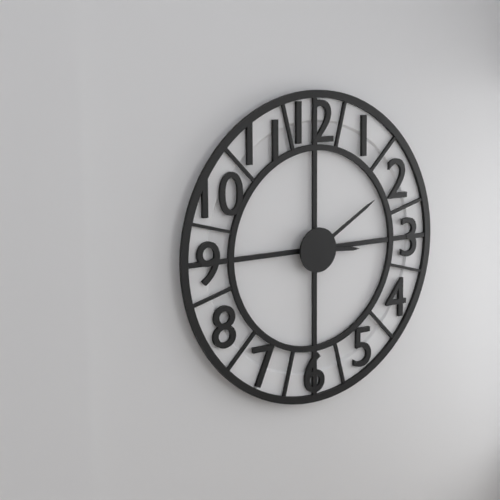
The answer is 3:10
